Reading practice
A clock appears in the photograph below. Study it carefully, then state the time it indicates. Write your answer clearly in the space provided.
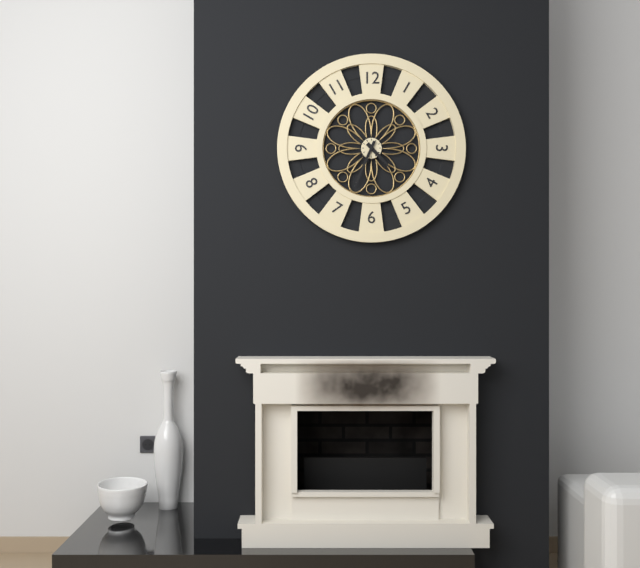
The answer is 4:34
